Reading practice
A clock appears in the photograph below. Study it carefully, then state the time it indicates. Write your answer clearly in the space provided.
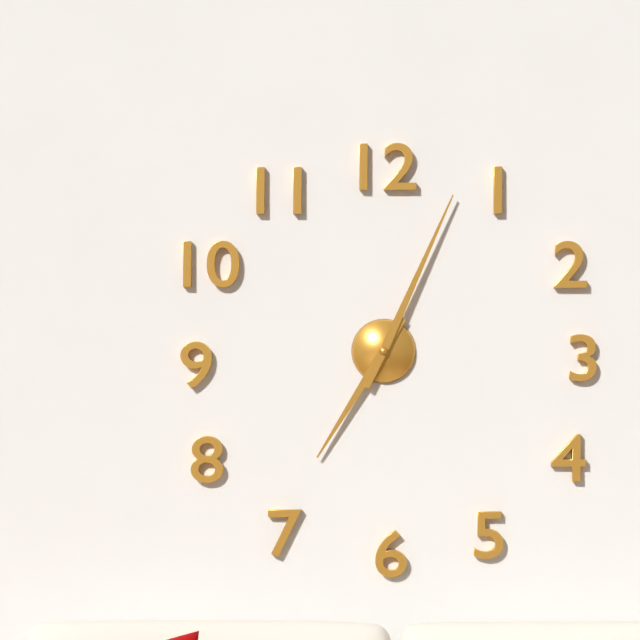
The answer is 7:04
